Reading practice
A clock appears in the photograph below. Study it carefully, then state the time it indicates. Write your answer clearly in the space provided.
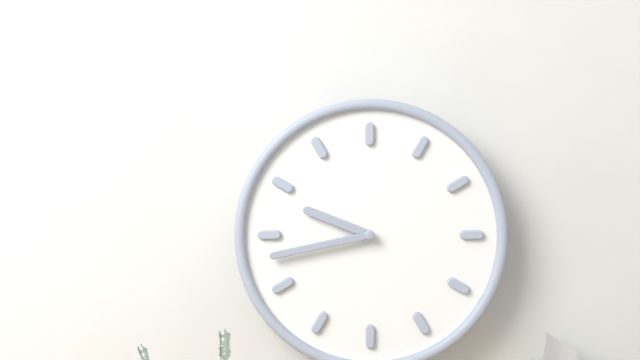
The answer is 9:43
